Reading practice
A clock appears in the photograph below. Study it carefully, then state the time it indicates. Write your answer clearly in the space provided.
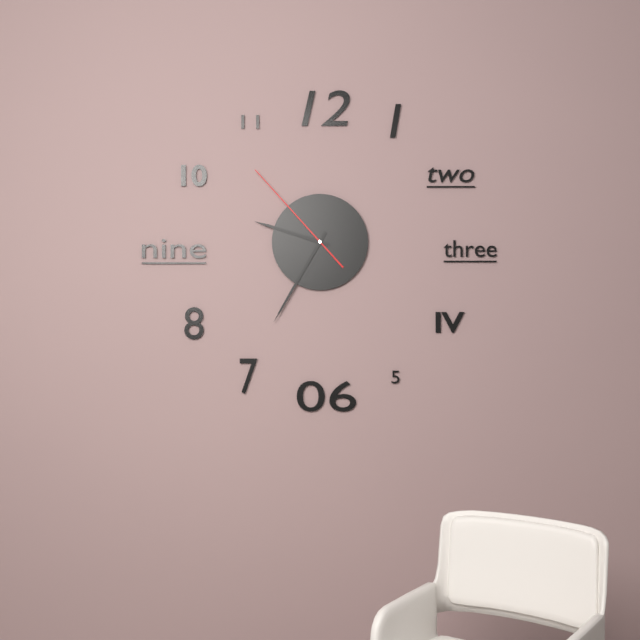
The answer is 9:35:53
